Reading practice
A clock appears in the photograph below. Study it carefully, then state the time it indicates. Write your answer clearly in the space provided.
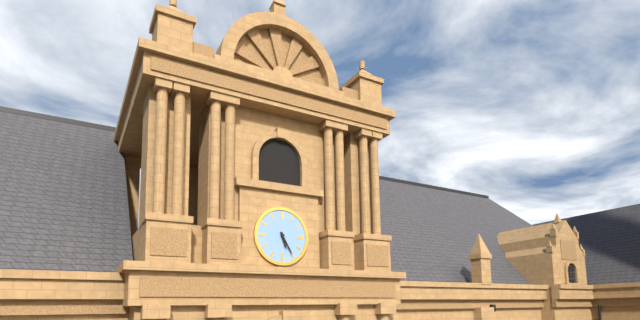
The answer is 5:25
